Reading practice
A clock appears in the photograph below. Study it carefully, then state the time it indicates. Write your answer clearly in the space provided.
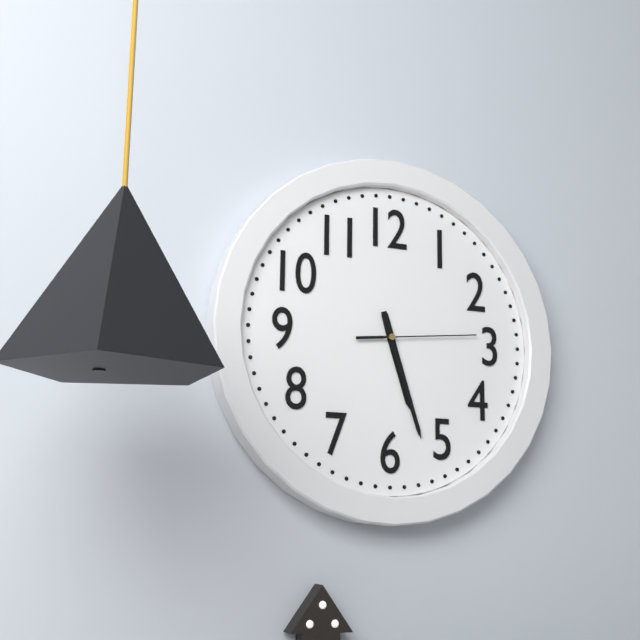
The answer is 5:27:14
